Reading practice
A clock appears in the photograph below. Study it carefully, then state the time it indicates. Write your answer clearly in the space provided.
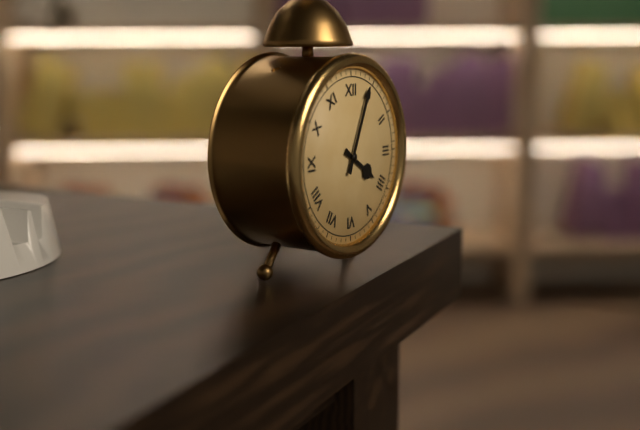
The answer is 4:04
